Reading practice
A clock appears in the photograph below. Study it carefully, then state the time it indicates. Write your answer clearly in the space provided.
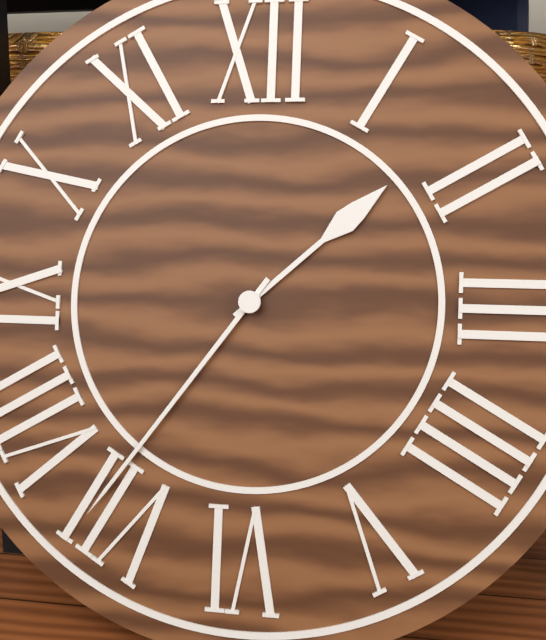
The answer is 1:36
